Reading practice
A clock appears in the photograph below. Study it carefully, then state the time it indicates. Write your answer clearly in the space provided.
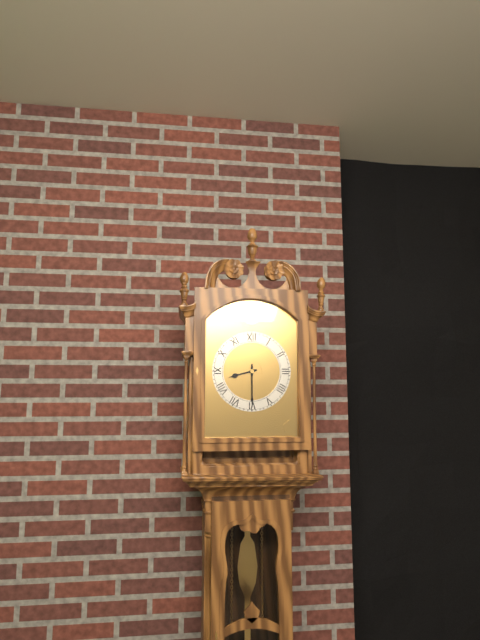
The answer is 8:30
